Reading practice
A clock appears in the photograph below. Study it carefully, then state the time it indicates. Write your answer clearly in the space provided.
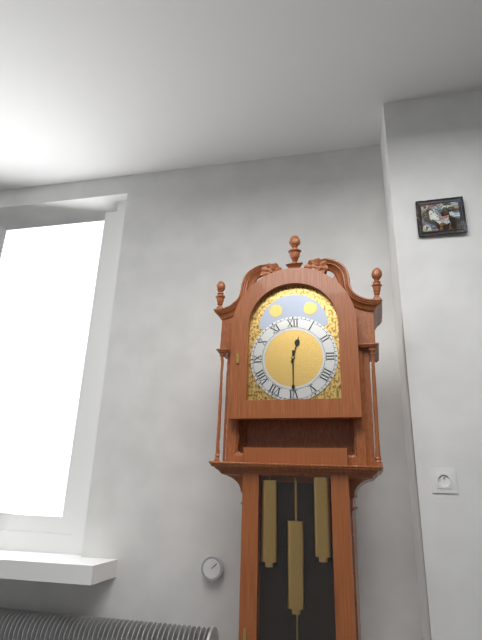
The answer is 12:30
